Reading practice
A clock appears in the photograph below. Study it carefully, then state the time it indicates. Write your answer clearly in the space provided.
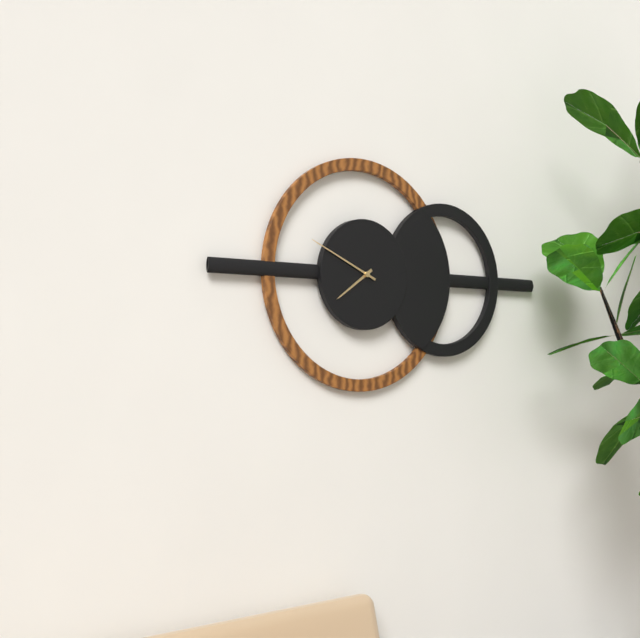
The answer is 7:49
